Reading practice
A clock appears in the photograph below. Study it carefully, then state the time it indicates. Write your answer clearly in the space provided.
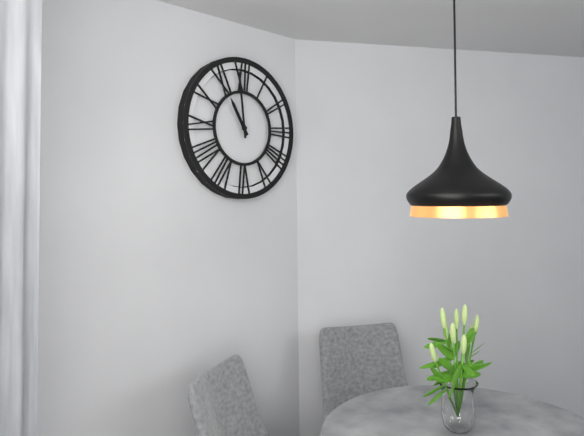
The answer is 10:59
